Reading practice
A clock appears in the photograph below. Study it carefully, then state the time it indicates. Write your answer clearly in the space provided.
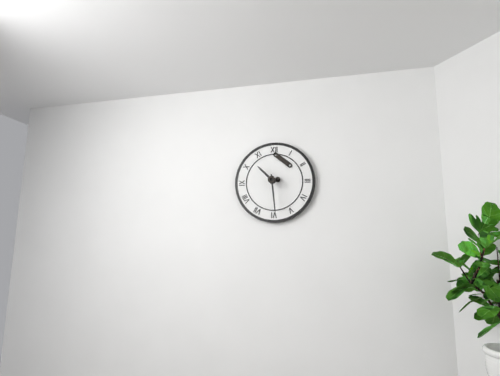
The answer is 10:29
